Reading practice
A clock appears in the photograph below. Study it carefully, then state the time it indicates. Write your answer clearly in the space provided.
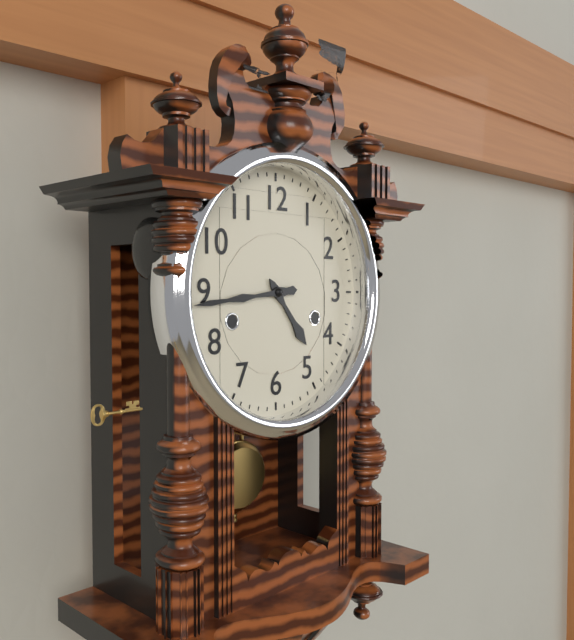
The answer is 4:44
